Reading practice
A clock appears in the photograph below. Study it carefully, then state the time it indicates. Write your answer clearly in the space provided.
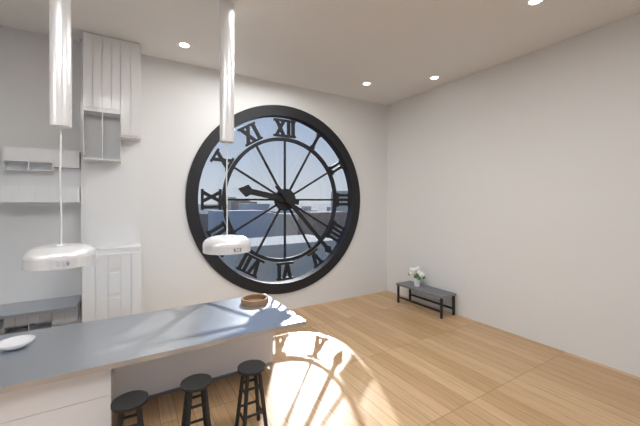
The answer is 9:23
